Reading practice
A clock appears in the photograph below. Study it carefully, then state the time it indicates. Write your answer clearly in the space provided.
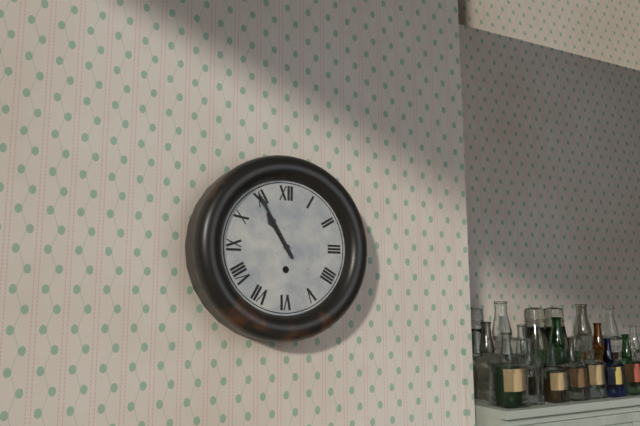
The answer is 10:55
